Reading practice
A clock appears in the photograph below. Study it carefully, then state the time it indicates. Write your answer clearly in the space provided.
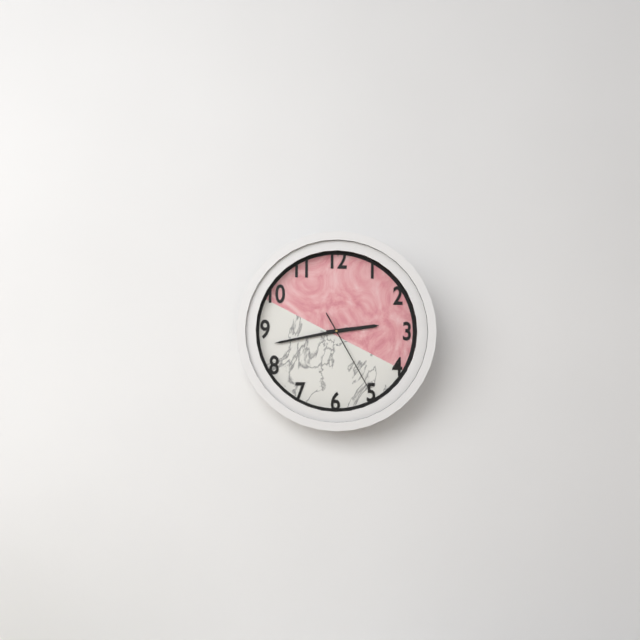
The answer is 2:43:25
